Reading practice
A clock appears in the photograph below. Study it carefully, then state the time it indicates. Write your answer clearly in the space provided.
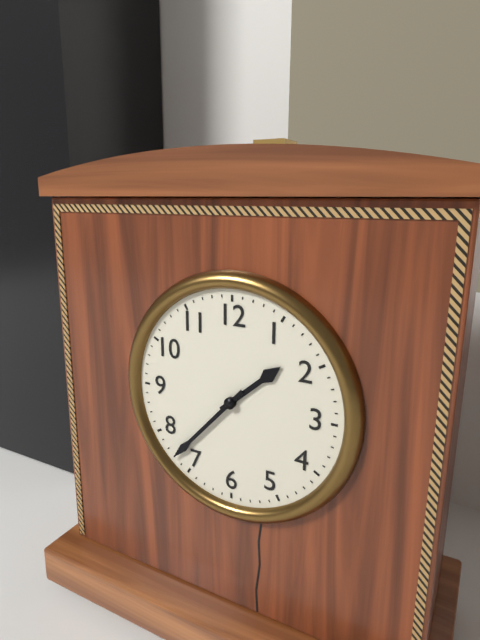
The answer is 1:37
